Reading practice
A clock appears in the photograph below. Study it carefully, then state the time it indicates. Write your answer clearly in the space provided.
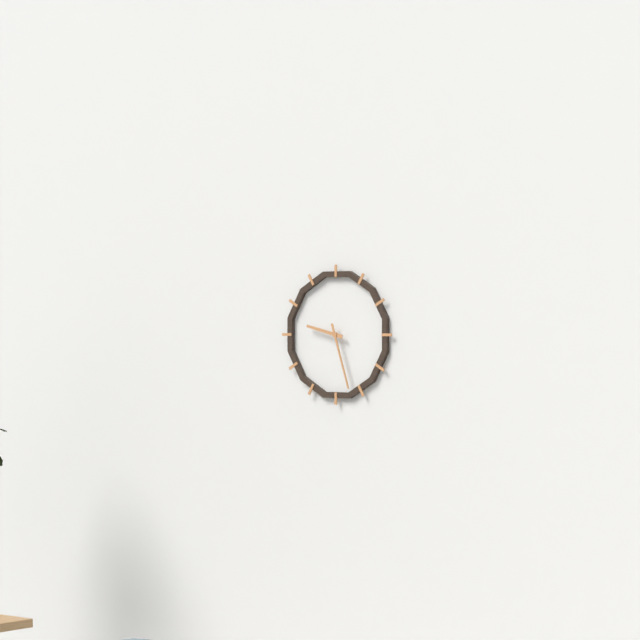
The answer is 9:27
